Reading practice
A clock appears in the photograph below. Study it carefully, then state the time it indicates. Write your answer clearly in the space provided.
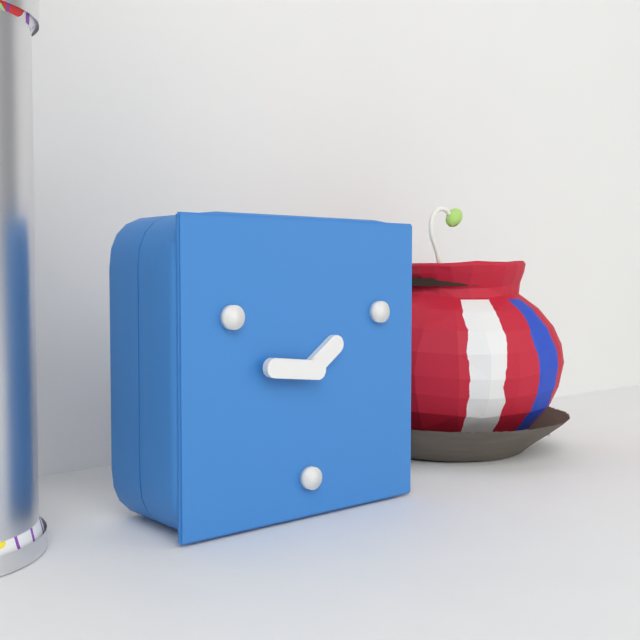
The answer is 1:46
